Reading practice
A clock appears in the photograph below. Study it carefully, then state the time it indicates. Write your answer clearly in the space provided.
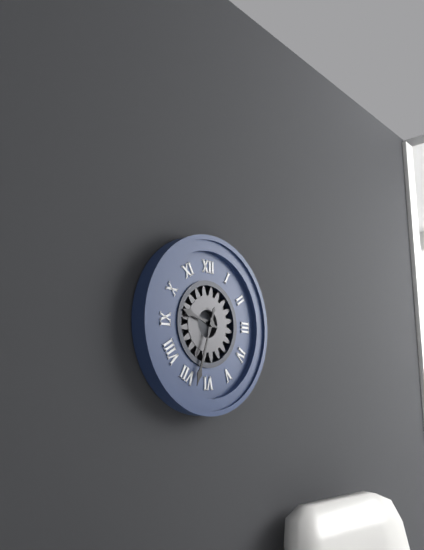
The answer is 9:33
